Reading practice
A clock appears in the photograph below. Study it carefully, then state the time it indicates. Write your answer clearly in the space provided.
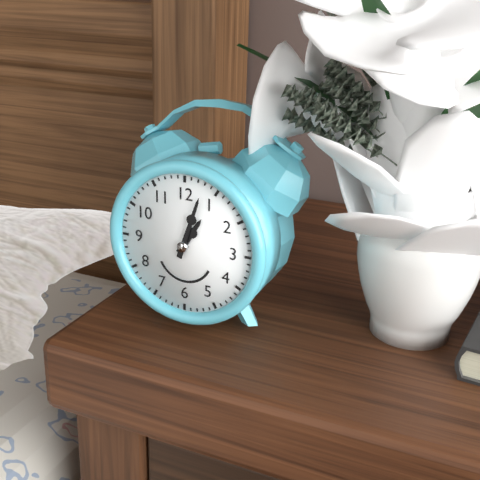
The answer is 1:03
